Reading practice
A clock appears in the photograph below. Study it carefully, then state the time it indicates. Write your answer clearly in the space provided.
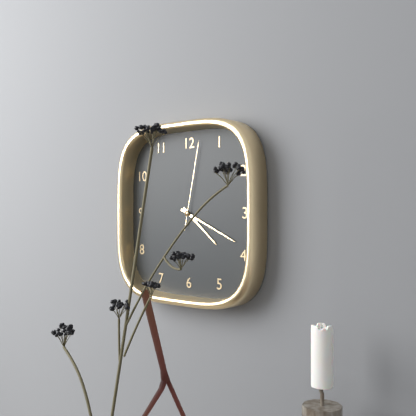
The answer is 4:19:02
